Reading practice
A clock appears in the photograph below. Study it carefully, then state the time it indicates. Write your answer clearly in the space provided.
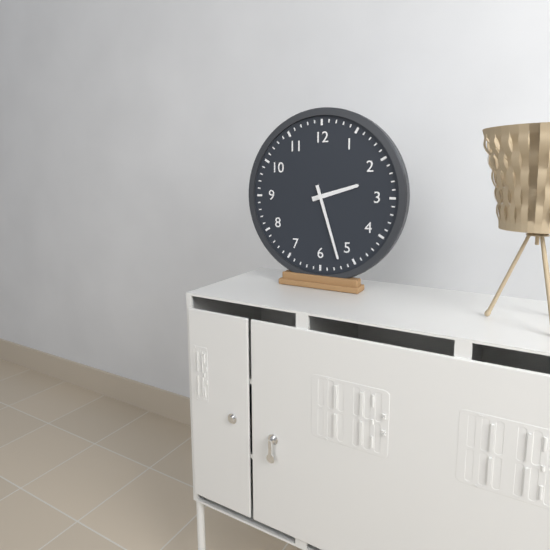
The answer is 2:27
